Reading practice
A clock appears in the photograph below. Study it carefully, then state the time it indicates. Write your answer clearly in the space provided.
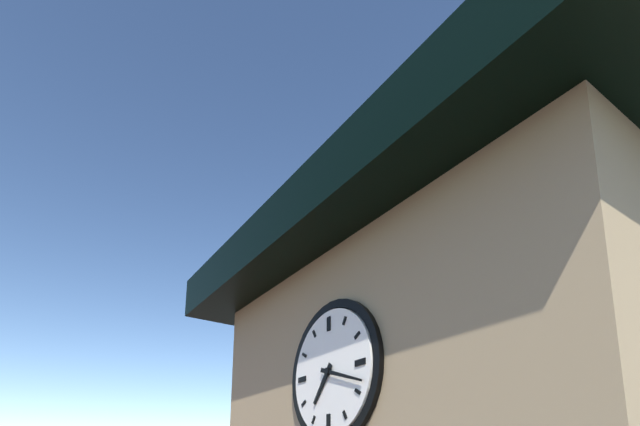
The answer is 7:18
